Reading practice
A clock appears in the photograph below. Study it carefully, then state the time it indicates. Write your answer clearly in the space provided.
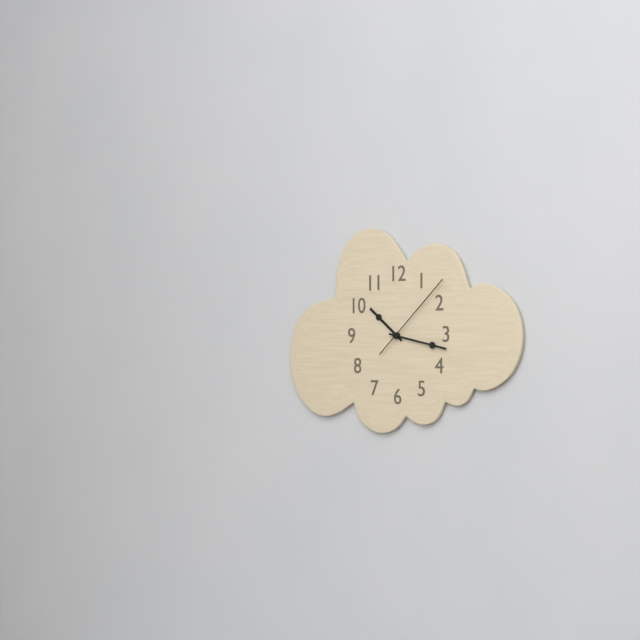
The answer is 10:17:08
